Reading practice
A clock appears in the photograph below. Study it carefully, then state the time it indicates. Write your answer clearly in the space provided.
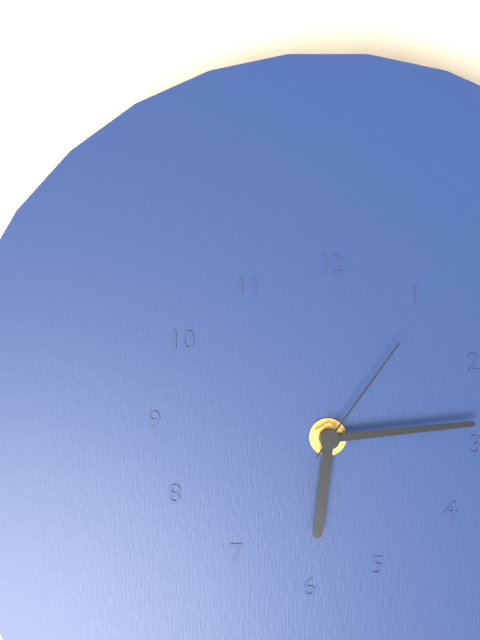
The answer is 6:14:06
